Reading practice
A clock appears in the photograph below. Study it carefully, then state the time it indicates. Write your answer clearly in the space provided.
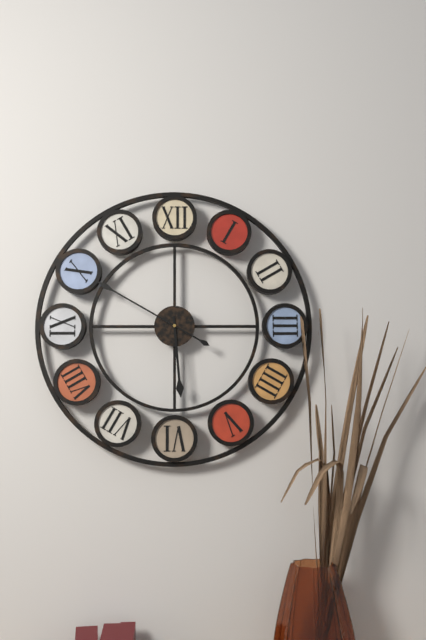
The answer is 5:50
